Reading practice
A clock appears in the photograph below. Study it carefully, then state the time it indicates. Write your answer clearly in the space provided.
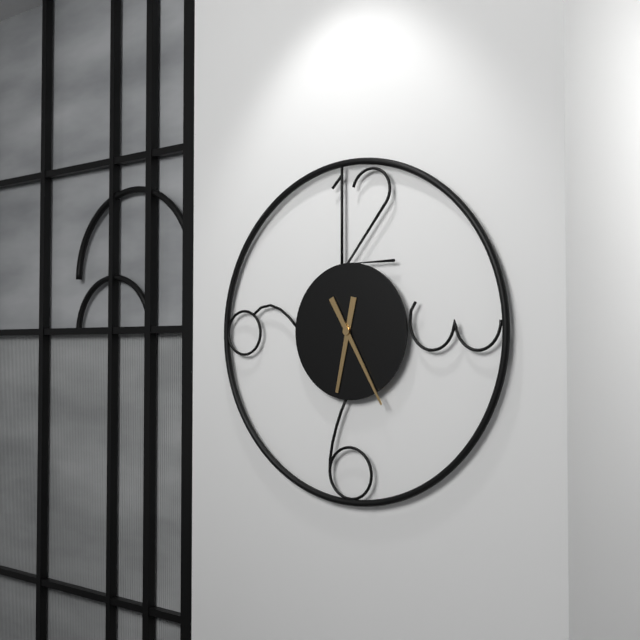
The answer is 6:25
